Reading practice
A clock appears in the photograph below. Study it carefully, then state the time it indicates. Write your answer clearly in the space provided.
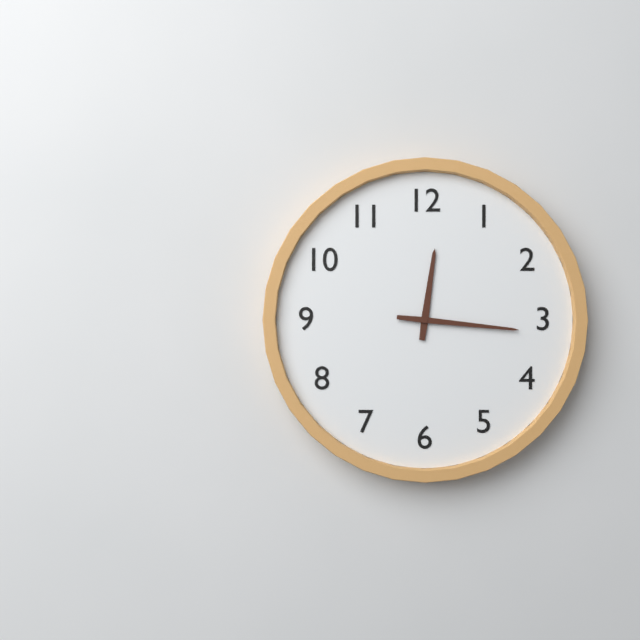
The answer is 12:16
